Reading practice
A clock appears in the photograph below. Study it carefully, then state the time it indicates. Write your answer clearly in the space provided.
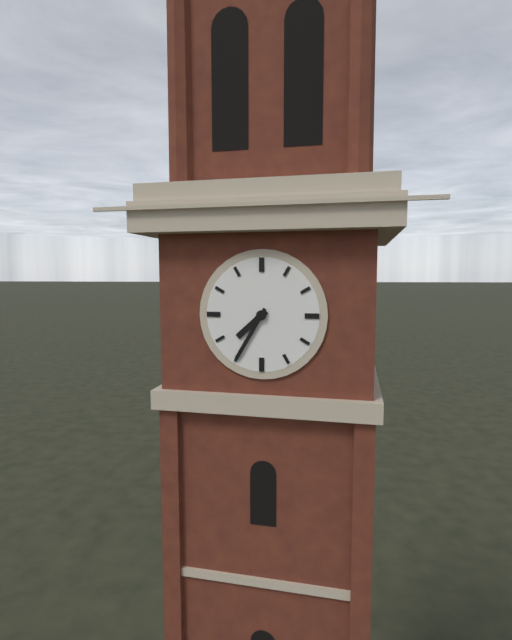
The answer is 7:35
